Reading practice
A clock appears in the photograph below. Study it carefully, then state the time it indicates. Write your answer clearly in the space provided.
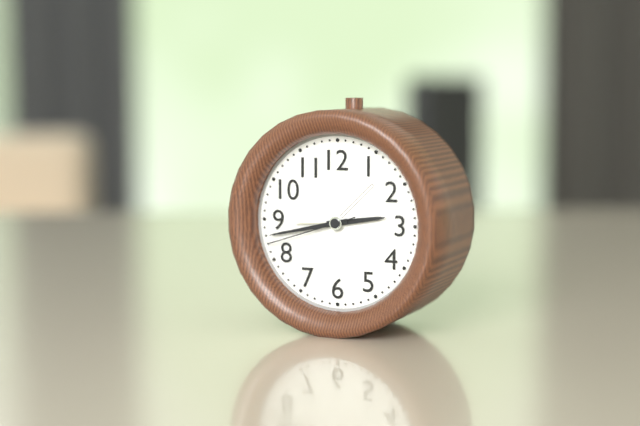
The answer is 2:43:42
